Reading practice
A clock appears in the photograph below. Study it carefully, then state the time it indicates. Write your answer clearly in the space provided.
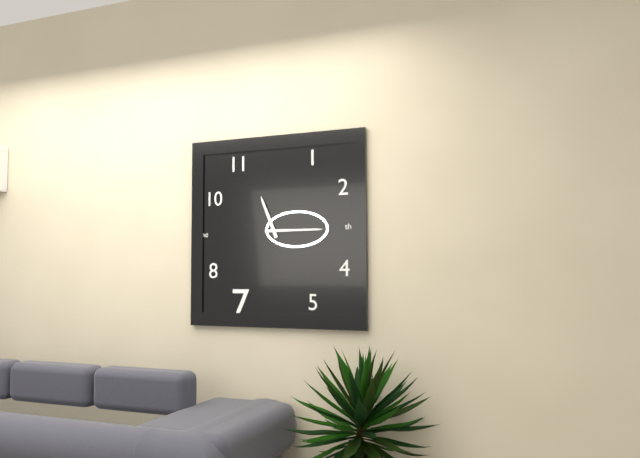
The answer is 11:15
